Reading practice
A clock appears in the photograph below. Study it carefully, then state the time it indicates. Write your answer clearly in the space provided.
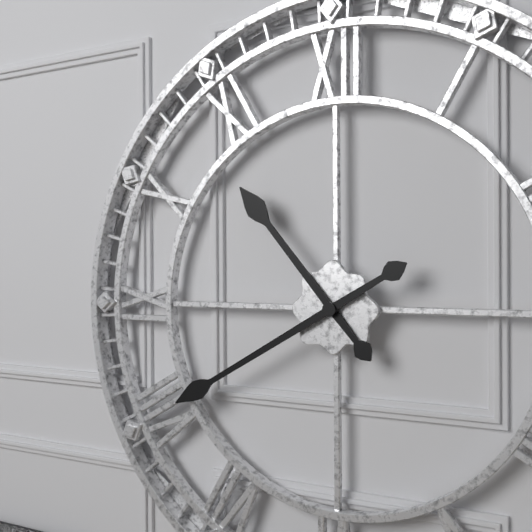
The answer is 10:40
